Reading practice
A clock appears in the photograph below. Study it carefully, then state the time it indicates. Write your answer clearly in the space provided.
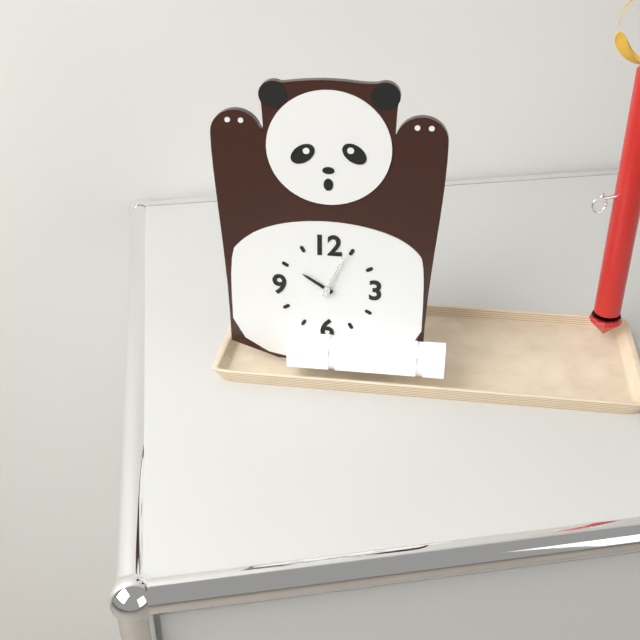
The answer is 10:04
